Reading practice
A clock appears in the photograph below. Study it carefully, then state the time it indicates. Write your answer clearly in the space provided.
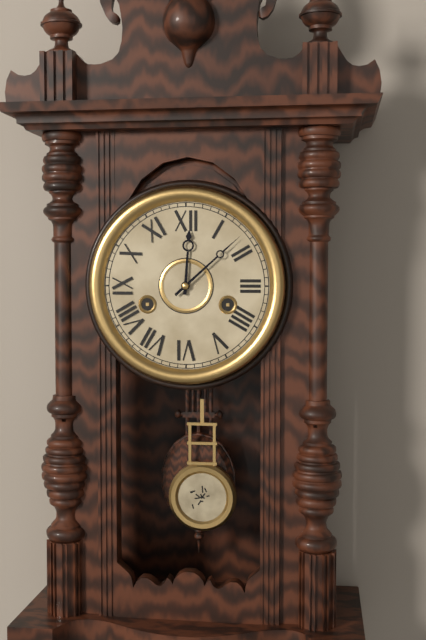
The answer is 12:08
